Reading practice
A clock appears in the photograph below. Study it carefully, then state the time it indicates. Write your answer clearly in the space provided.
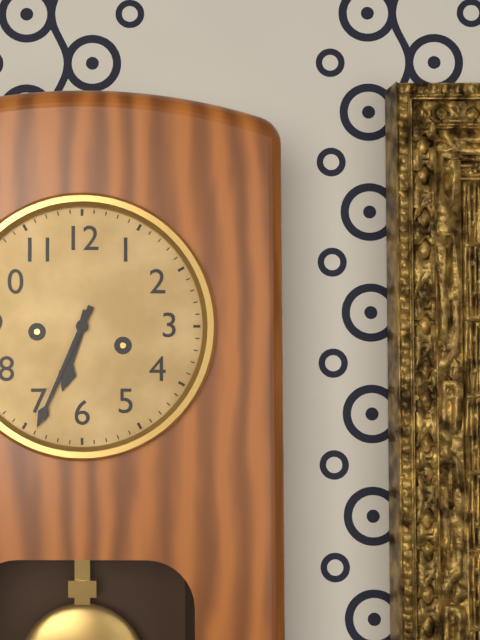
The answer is 6:34
